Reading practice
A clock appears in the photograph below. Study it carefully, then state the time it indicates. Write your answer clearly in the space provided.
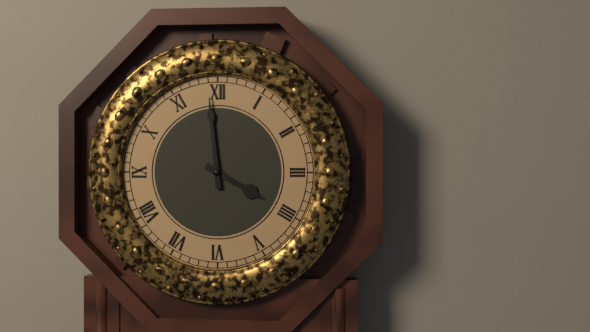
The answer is 3:59
